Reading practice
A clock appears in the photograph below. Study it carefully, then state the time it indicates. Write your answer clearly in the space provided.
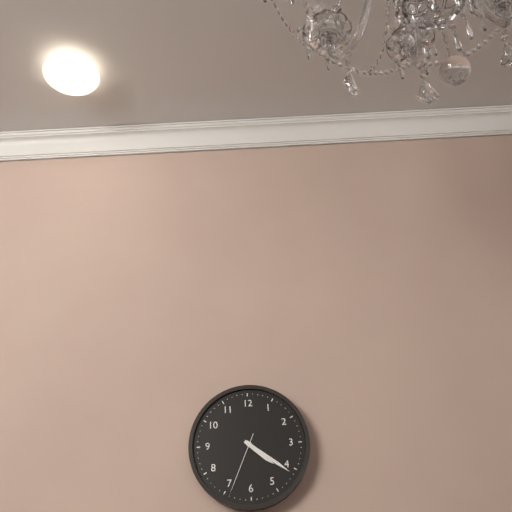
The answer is 4:21:34
